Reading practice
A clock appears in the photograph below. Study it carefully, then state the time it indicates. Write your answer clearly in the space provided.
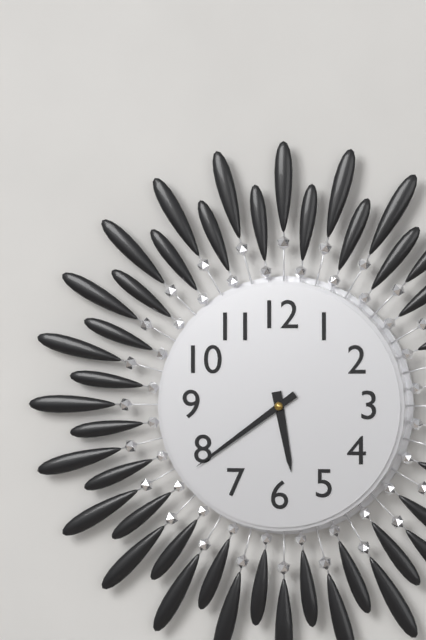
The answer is 5:39
